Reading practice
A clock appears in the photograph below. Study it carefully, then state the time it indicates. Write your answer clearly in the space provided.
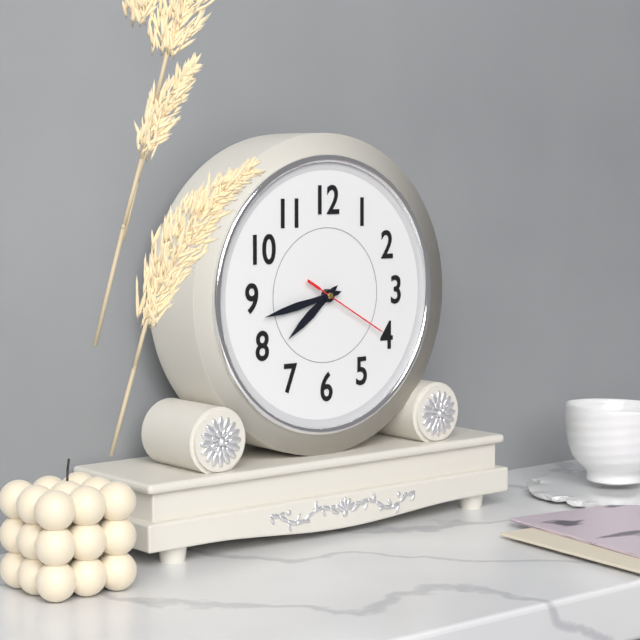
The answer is 7:43:20
